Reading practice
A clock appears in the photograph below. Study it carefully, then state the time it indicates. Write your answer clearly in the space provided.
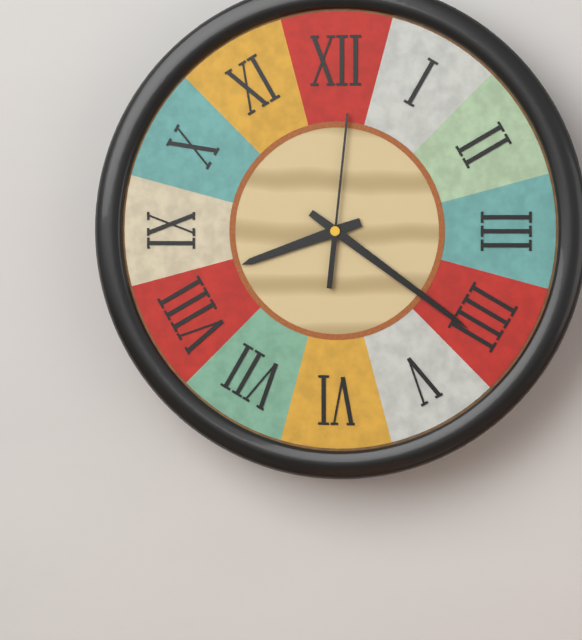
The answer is 8:21:01
